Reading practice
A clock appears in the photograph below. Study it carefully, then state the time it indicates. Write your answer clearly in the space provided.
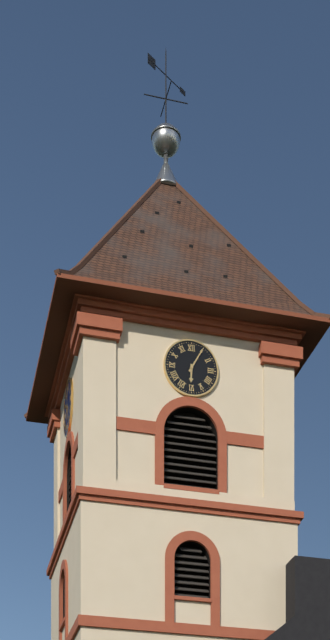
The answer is 6:05
